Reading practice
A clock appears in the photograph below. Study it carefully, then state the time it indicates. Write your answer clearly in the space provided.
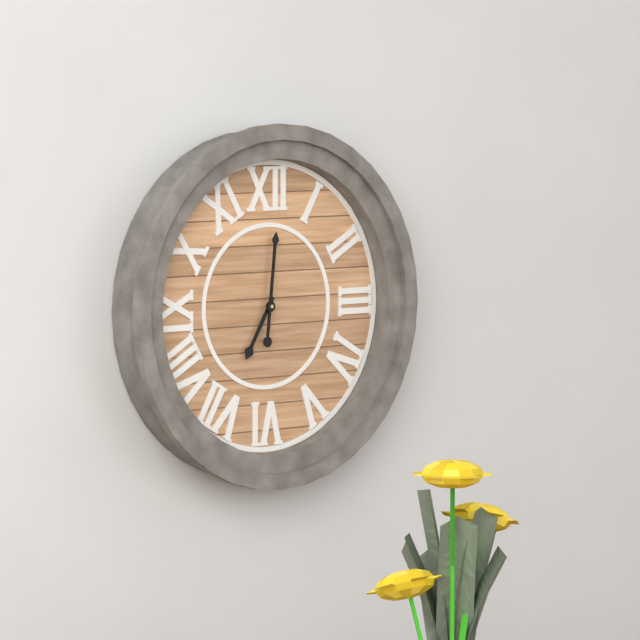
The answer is 7:01
